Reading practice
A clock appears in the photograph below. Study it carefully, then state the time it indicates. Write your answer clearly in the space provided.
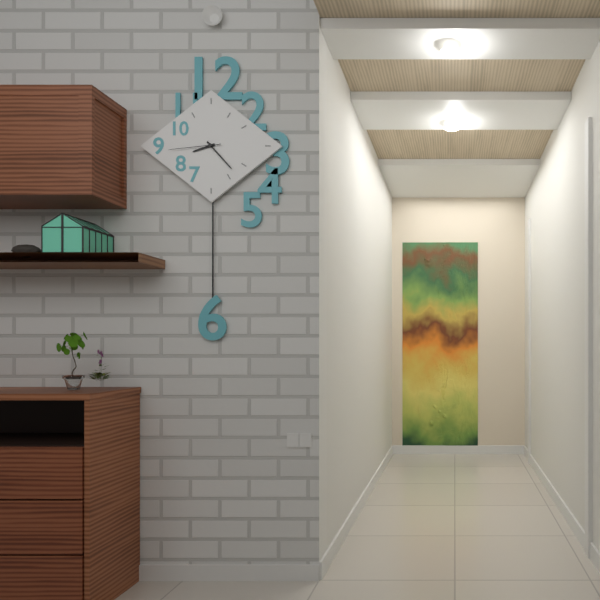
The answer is 8:23:44
